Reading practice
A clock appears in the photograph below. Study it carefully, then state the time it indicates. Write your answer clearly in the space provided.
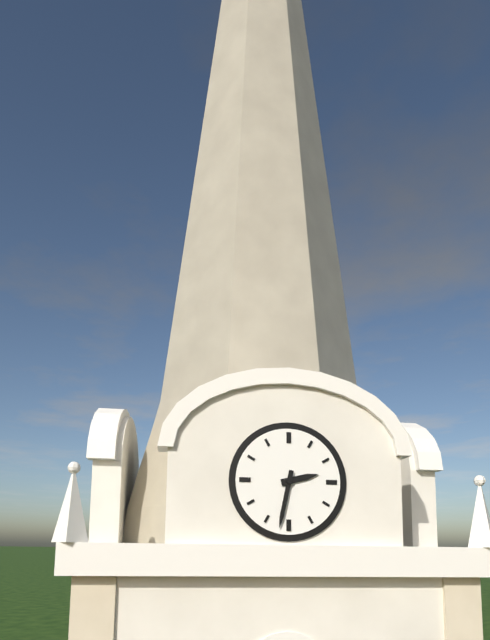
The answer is 2:32
